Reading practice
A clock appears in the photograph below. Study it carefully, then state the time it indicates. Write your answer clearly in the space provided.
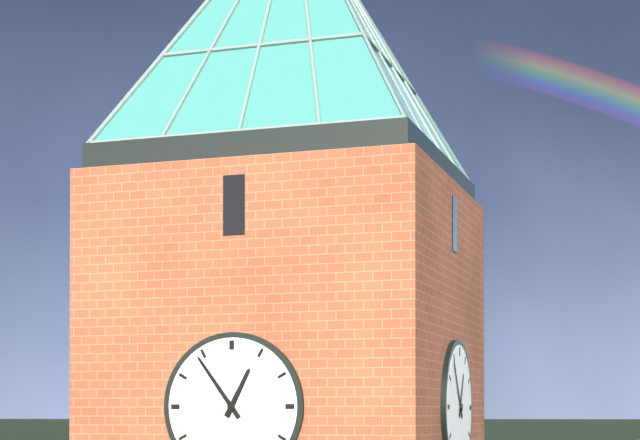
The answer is 12:54
